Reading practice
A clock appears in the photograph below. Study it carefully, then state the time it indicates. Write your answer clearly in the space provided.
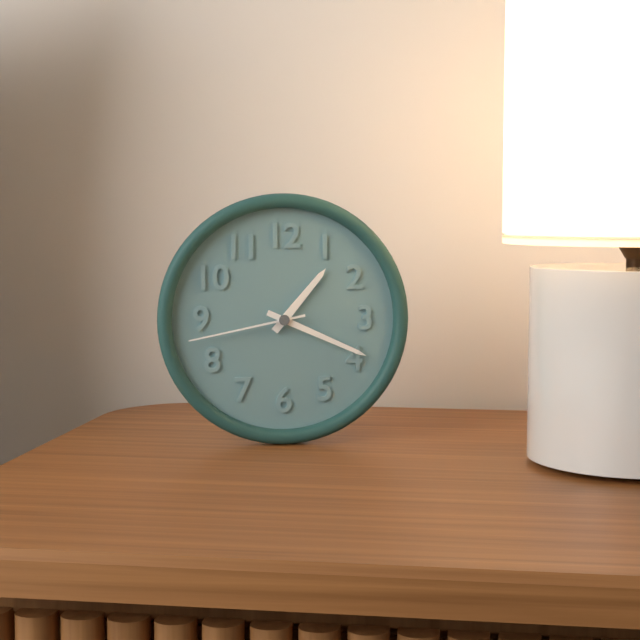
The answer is 1:19:43
